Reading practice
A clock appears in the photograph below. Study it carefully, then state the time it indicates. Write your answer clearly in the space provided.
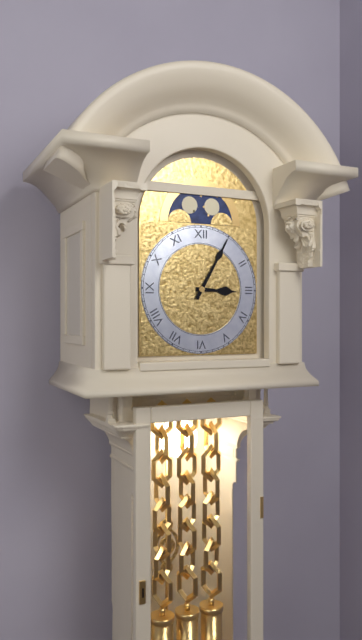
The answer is 3:05
